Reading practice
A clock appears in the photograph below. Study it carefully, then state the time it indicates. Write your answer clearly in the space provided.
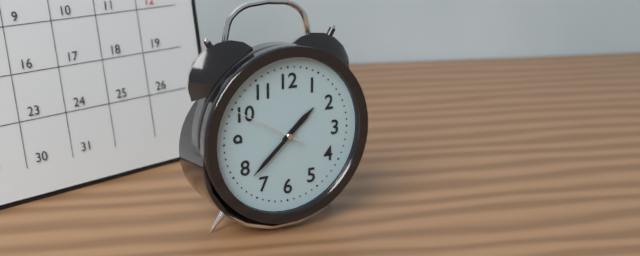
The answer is 1:38:50
